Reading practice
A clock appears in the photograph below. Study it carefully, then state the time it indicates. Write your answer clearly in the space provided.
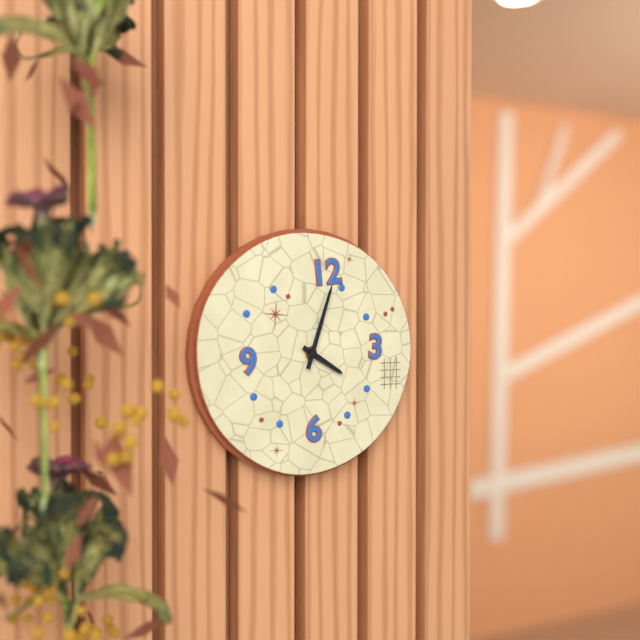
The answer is 4:03
